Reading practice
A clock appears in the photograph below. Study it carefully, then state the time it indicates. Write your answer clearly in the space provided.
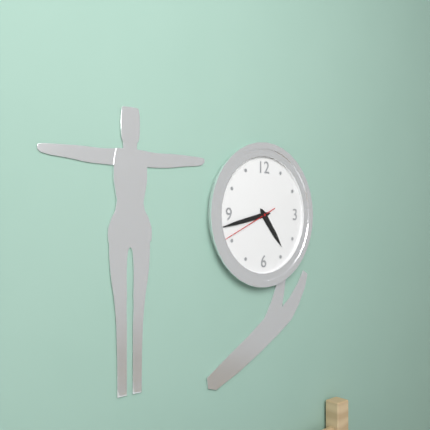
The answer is 4:43:41
